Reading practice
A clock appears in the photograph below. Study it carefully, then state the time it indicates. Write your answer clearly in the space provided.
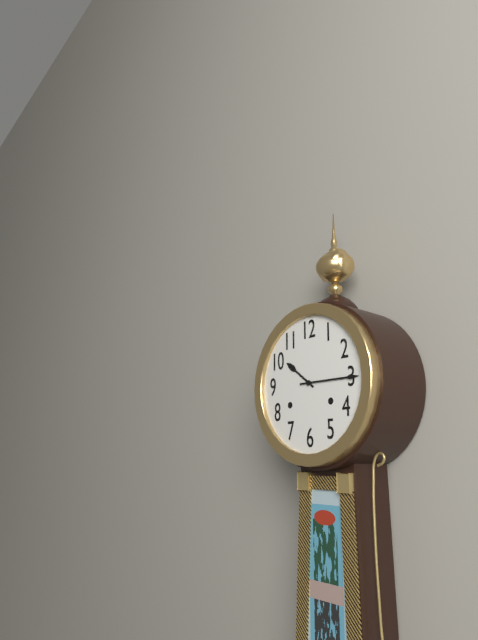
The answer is 10:15
